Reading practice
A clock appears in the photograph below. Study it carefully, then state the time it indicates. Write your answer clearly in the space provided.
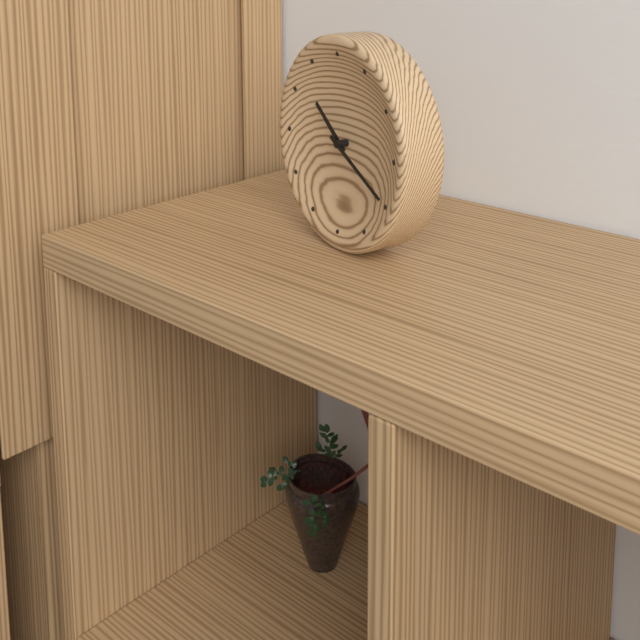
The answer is 10:20
